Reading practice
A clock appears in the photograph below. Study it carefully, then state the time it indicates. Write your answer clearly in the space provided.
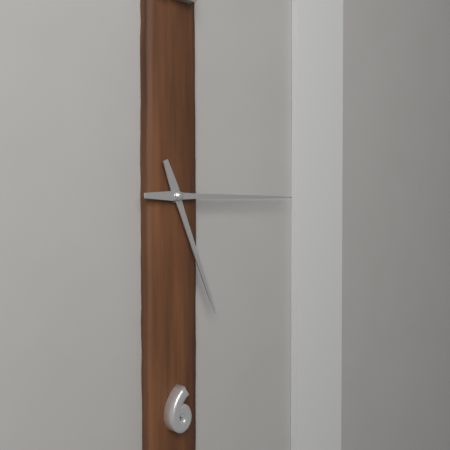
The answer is 5:15
